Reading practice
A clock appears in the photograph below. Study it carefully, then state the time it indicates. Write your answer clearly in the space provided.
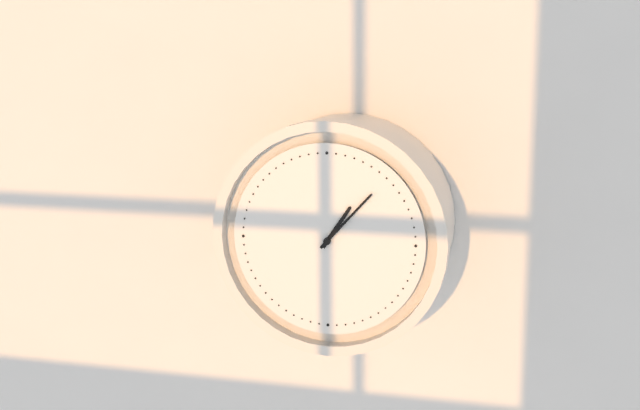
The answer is 1:07
